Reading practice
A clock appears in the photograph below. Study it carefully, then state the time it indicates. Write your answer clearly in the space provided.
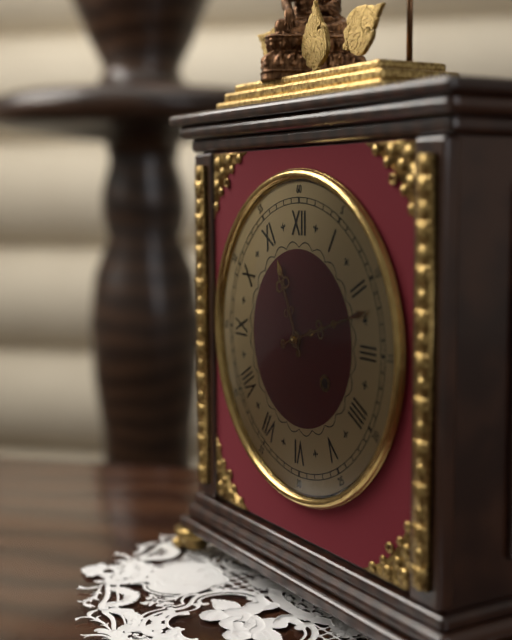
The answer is 11:12
